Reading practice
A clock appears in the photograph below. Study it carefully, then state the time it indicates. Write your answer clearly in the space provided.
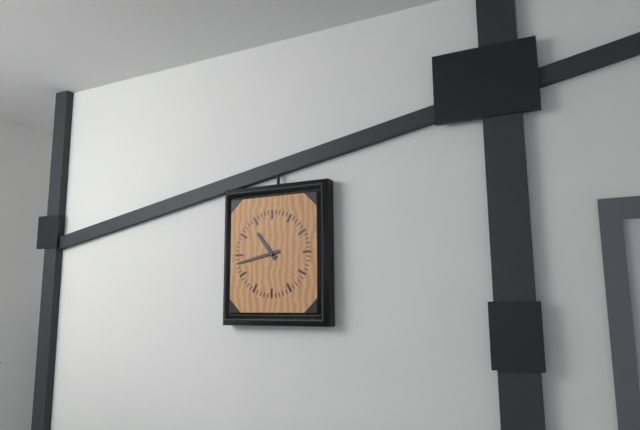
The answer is 10:43
